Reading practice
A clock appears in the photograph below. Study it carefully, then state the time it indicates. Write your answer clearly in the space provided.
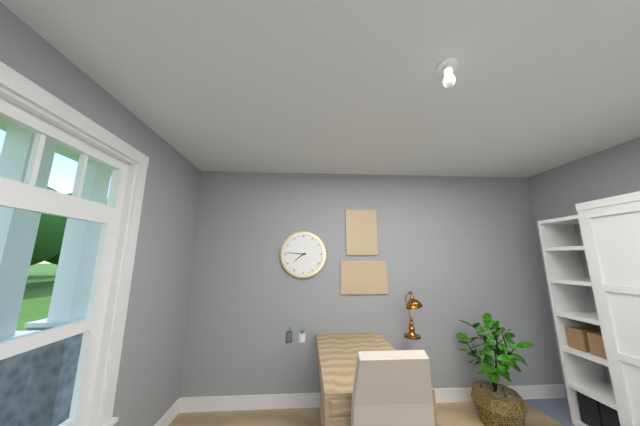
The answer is 7:46
